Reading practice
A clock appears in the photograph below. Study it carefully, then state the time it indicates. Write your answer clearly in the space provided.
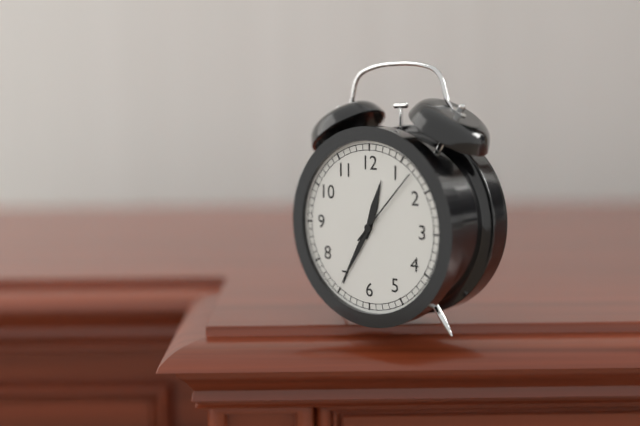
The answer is 12:35:07
